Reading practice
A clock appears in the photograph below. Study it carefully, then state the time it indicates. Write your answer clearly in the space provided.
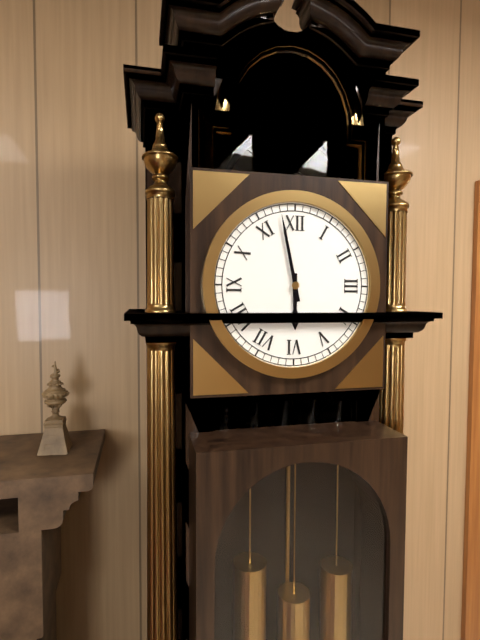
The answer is 5:58
